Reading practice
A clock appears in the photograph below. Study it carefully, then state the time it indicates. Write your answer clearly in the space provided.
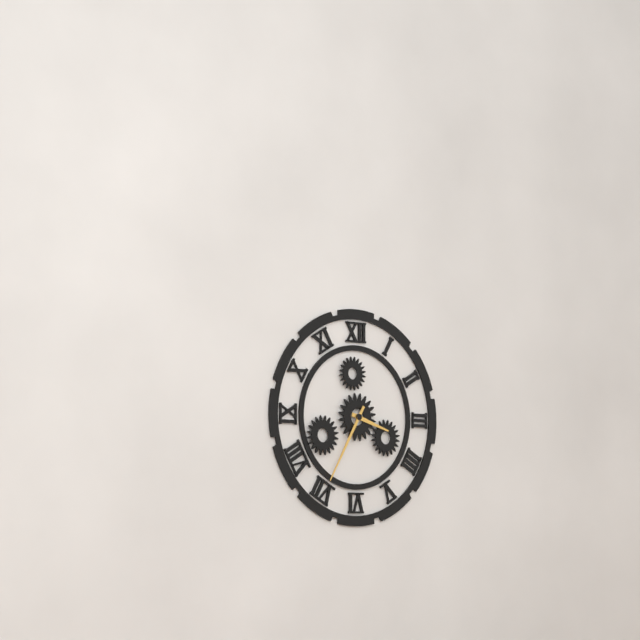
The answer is 3:35
